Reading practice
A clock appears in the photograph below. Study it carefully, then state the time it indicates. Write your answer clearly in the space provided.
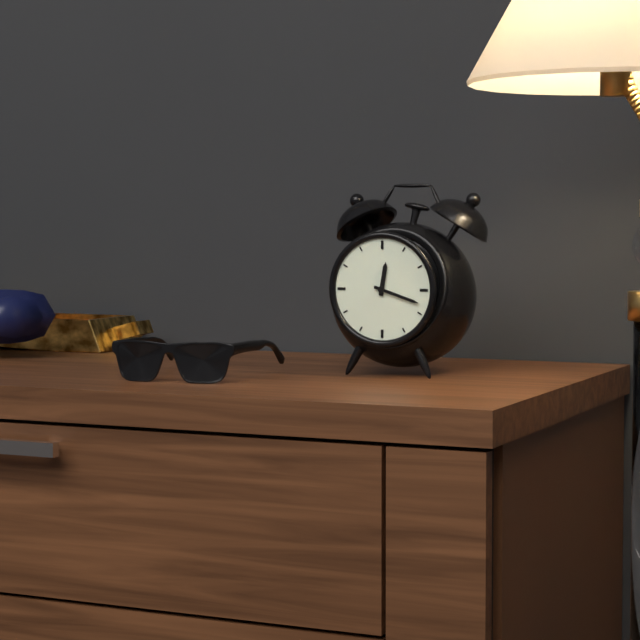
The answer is 12:18
